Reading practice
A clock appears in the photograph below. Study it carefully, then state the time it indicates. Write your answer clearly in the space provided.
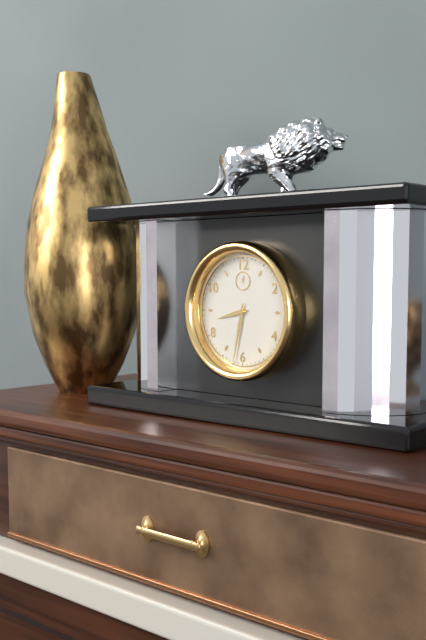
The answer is 8:32
